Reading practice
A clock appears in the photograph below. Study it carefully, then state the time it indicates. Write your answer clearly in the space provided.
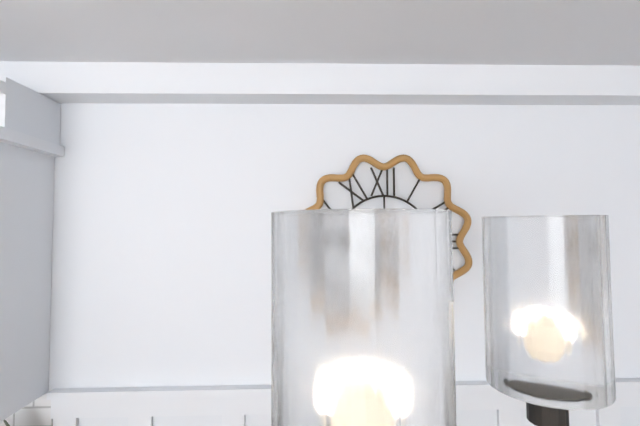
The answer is 8:08
